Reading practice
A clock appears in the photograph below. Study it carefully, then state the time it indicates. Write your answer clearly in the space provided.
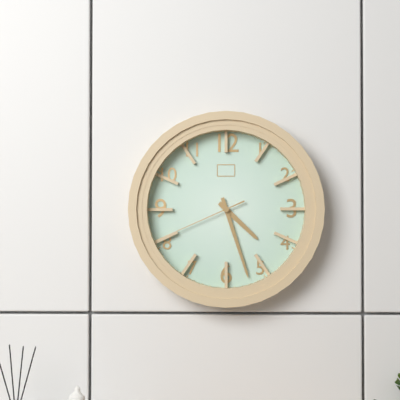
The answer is 4:27:41
